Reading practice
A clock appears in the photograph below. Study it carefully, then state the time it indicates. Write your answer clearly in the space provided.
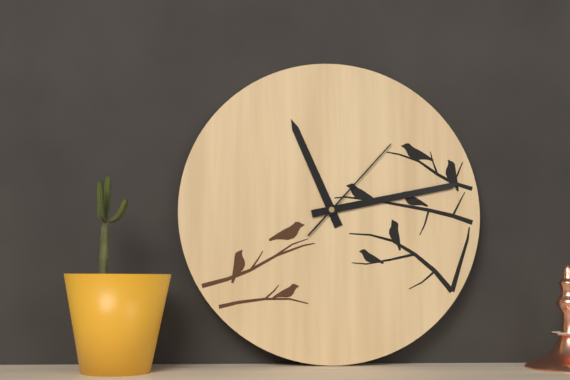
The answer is 11:13:07
